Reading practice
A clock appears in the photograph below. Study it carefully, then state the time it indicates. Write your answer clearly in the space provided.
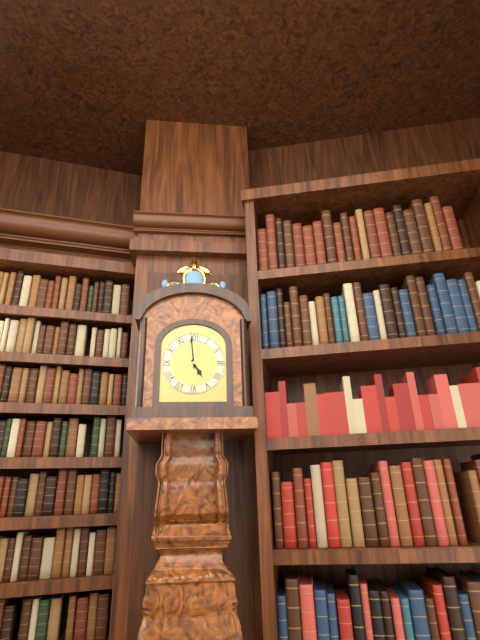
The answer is 4:59
